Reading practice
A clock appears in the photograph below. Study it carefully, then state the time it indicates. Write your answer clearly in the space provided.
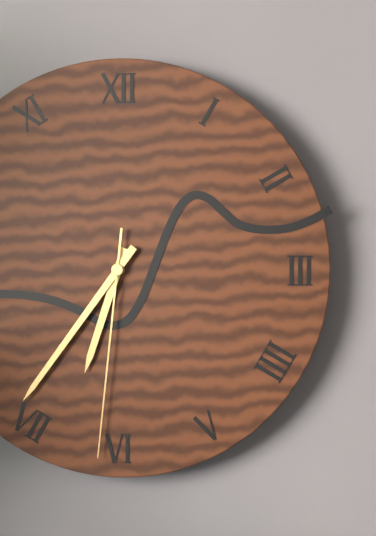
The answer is 6:36:31
